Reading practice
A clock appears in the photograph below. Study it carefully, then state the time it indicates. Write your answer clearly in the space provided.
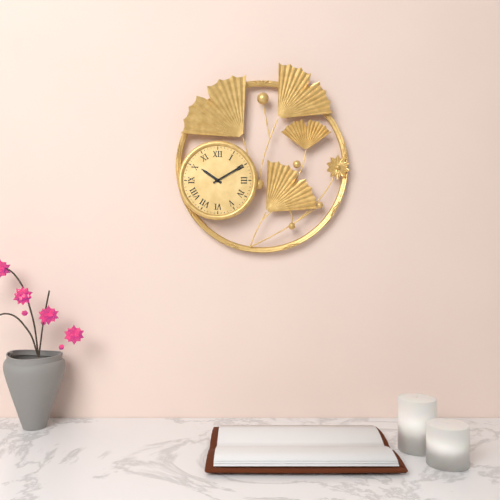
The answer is 10:10
